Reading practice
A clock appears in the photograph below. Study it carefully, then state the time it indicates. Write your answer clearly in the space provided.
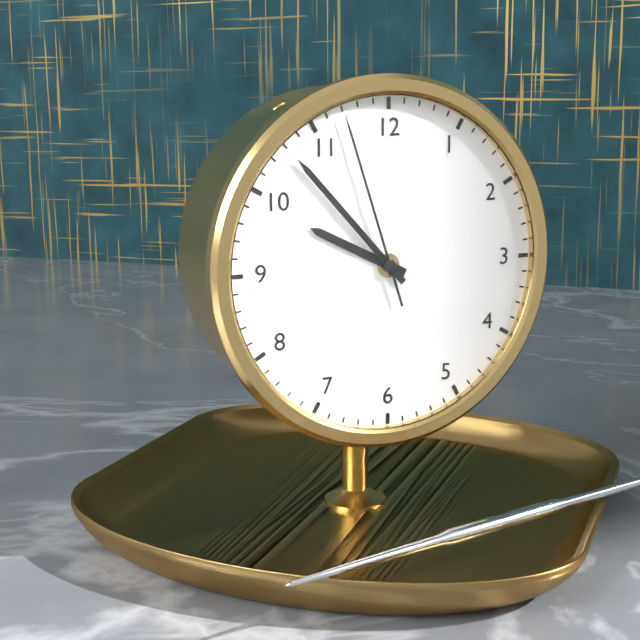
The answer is 9:53:57
